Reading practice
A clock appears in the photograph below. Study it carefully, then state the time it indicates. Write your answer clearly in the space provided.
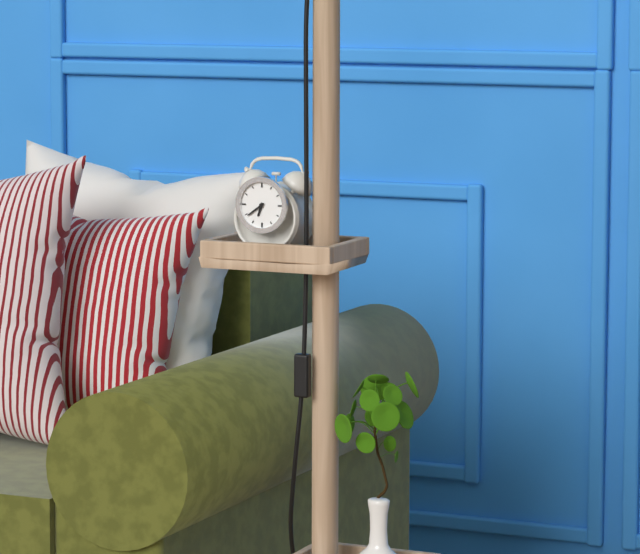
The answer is 6:39
